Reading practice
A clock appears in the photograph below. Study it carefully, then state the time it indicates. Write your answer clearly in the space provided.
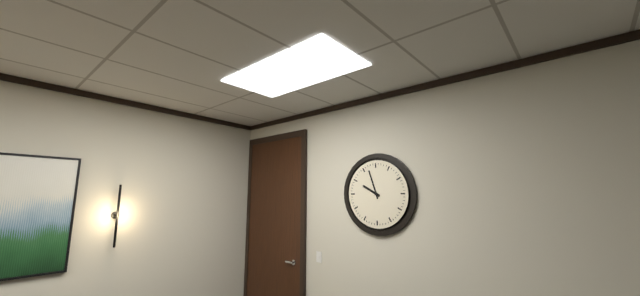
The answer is 9:57
